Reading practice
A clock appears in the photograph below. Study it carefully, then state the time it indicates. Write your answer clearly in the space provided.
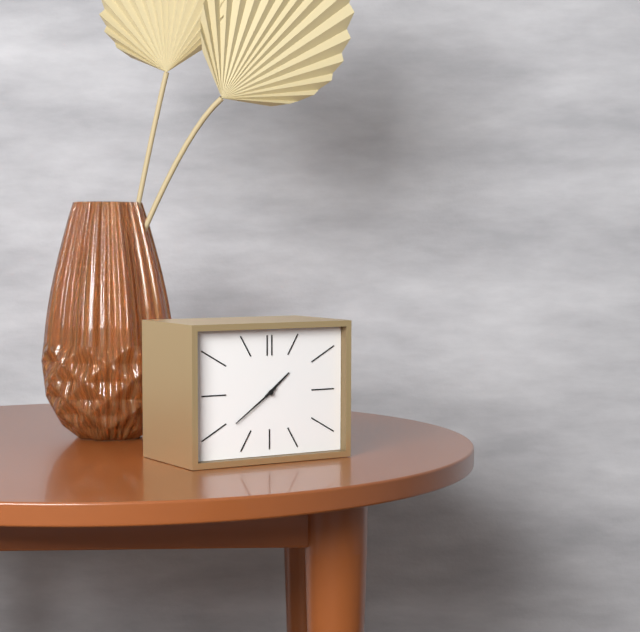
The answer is 1:39
